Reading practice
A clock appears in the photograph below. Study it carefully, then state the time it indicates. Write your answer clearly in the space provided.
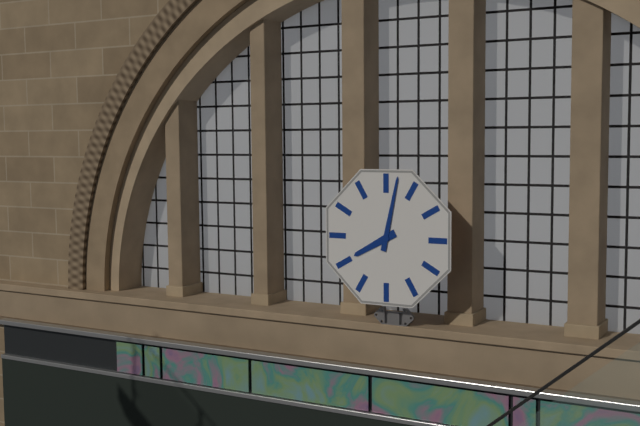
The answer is 8:02
